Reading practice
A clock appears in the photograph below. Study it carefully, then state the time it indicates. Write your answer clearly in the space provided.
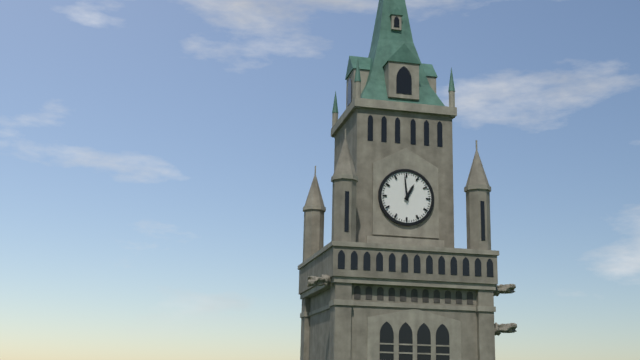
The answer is 12:59
